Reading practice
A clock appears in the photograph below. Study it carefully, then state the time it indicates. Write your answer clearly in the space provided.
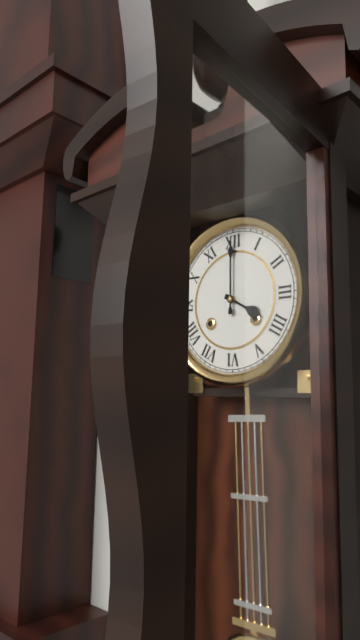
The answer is 4:00
